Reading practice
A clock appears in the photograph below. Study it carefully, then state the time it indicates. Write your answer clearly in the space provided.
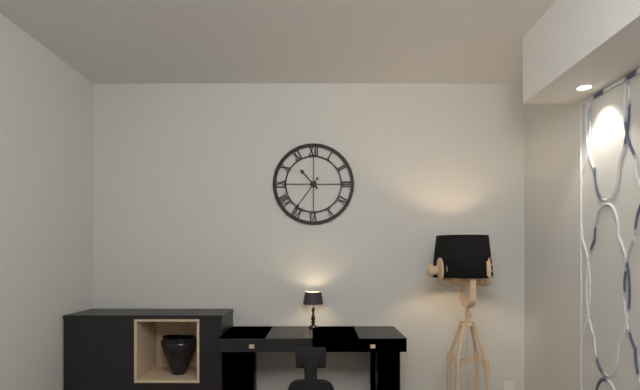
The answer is 10:36
